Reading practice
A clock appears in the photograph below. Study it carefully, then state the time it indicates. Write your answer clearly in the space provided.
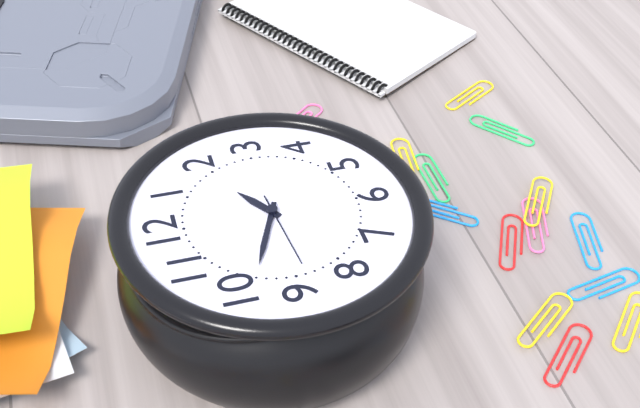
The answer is 1:49:44
